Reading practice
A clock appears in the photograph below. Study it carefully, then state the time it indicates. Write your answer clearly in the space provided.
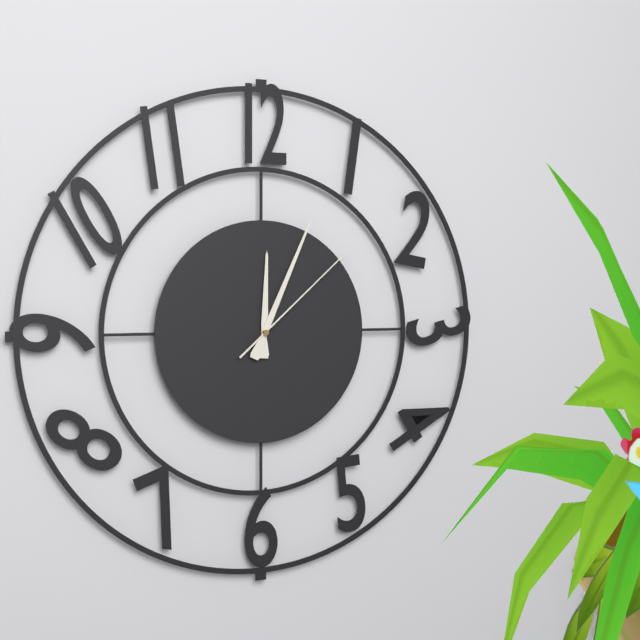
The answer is 12:04:08
